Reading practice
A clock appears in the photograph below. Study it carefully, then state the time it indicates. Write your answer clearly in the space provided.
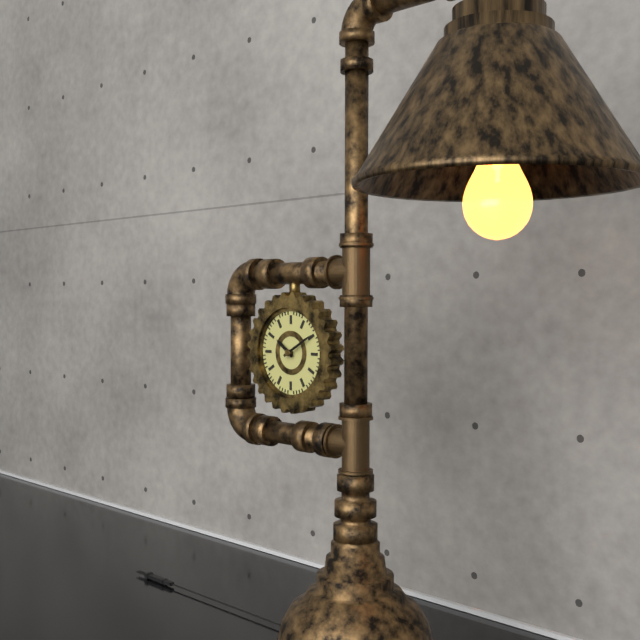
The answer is 10:10
